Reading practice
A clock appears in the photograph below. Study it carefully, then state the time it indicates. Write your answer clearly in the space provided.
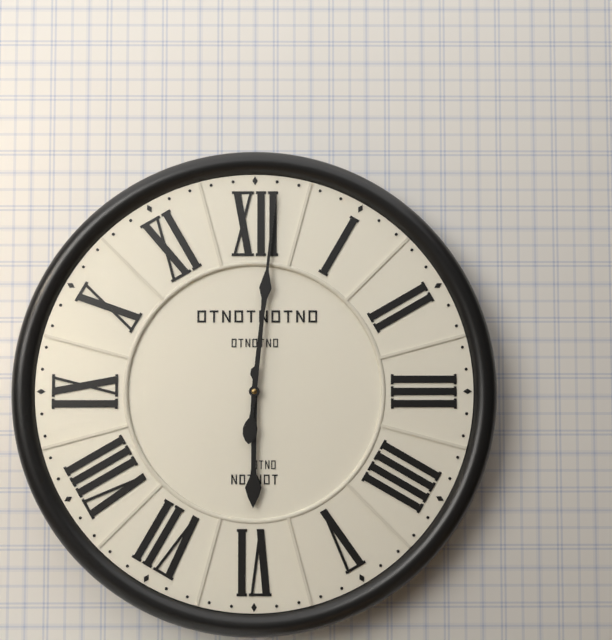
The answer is 6:01
